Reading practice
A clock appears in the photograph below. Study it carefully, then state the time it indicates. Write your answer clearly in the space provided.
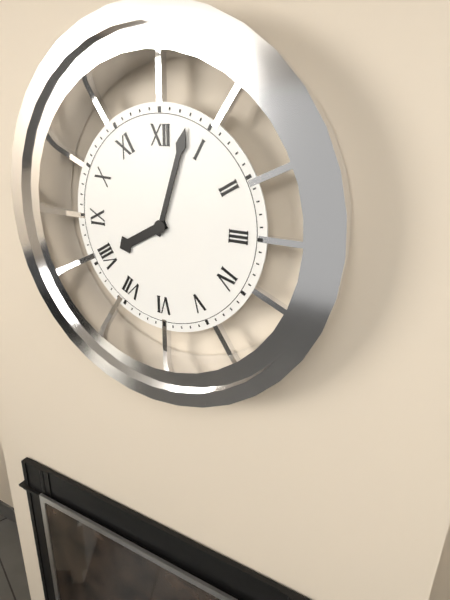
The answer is 8:03
